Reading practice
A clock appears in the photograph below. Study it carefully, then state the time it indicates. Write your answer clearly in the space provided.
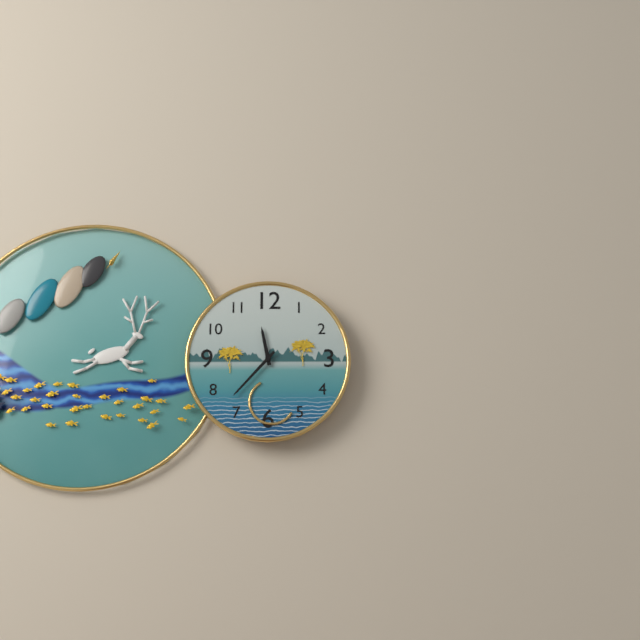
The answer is 11:37
